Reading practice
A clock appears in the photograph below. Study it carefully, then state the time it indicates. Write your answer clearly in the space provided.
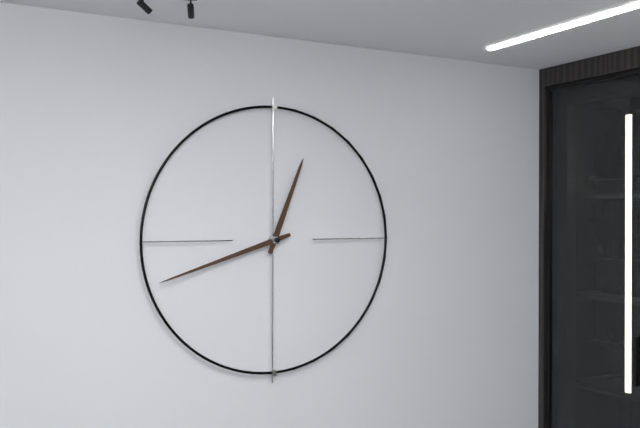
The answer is 12:42
